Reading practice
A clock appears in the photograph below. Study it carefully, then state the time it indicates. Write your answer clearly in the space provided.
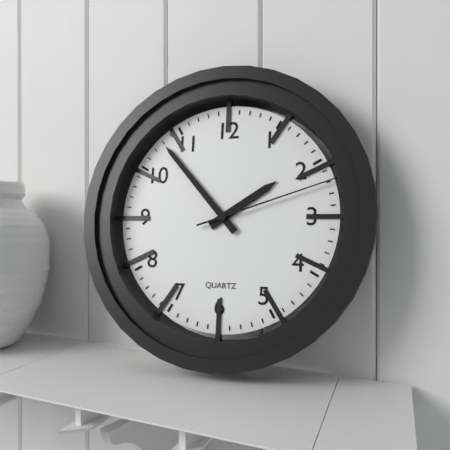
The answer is 1:53:12
